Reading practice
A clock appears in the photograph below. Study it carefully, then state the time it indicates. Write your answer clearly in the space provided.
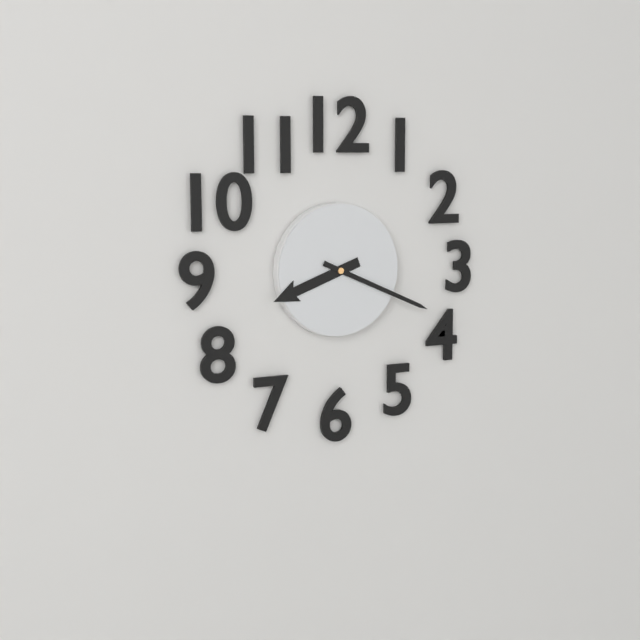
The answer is 8:19
